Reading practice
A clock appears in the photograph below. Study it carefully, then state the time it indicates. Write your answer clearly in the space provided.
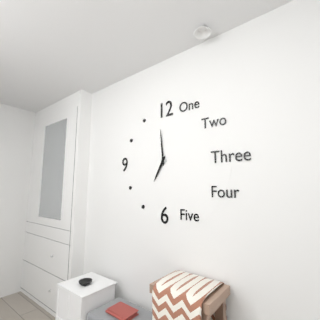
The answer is 6:59
